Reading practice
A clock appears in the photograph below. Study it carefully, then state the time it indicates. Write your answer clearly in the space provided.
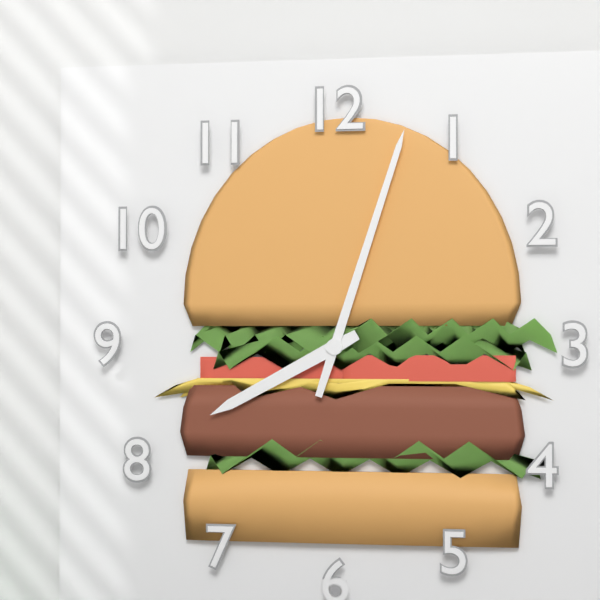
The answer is 8:03
